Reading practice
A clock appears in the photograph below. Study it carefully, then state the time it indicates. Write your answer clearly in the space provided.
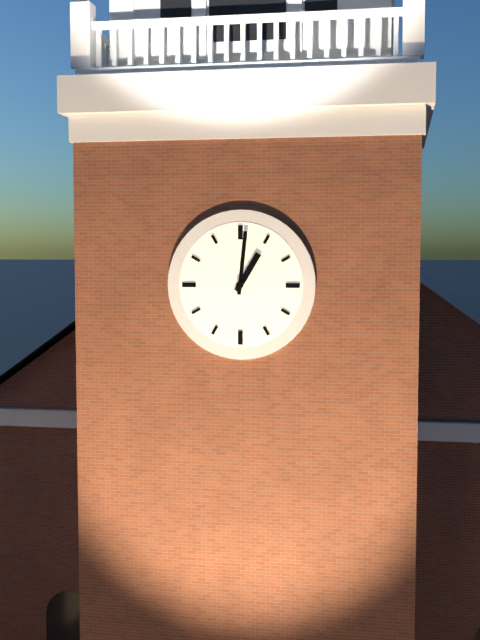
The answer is 1:01
